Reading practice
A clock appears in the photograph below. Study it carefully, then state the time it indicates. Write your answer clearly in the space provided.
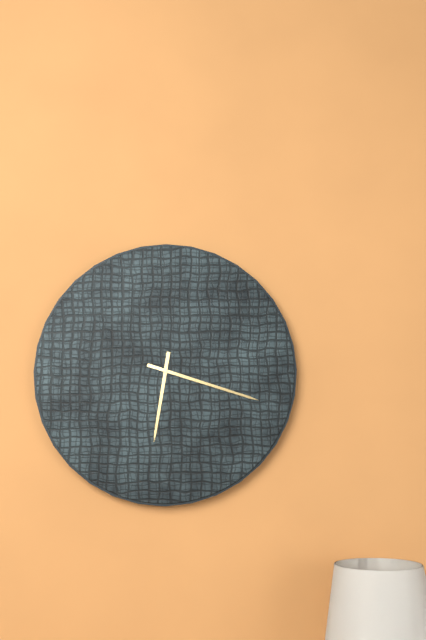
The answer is 6:18
